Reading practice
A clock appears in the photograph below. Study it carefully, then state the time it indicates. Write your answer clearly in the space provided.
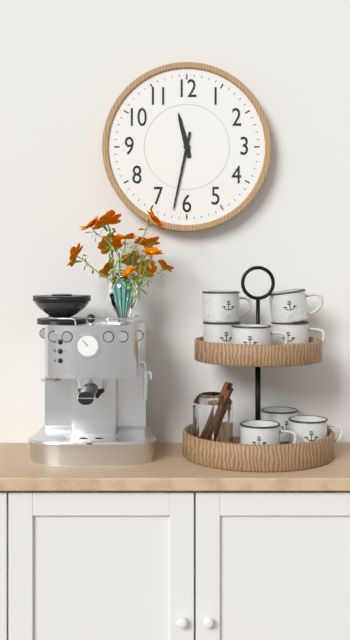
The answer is 11:32
